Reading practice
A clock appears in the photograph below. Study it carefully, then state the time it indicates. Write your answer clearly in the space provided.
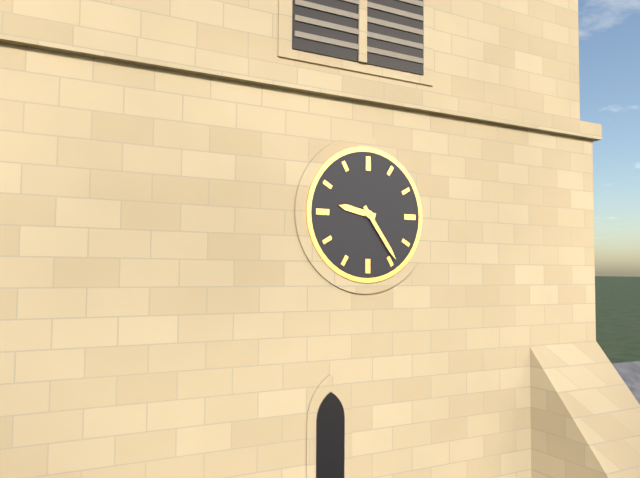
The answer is 9:24
